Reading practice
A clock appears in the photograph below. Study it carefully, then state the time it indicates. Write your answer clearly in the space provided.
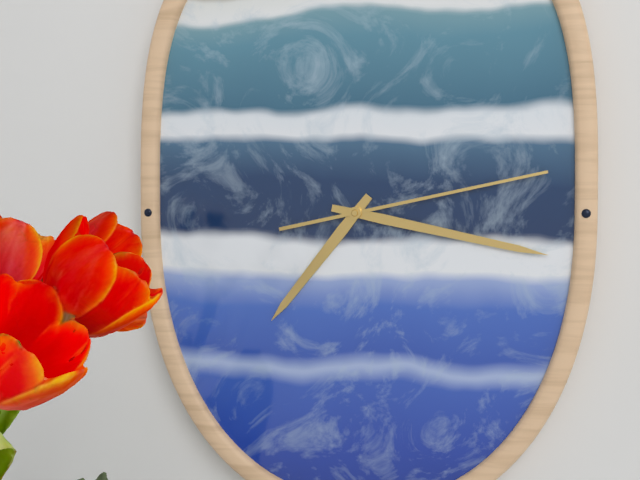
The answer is 7:17:13
